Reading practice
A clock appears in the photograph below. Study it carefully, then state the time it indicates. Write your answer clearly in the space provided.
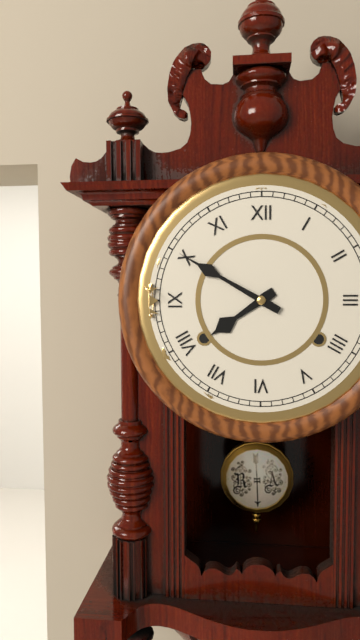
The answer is 7:50
